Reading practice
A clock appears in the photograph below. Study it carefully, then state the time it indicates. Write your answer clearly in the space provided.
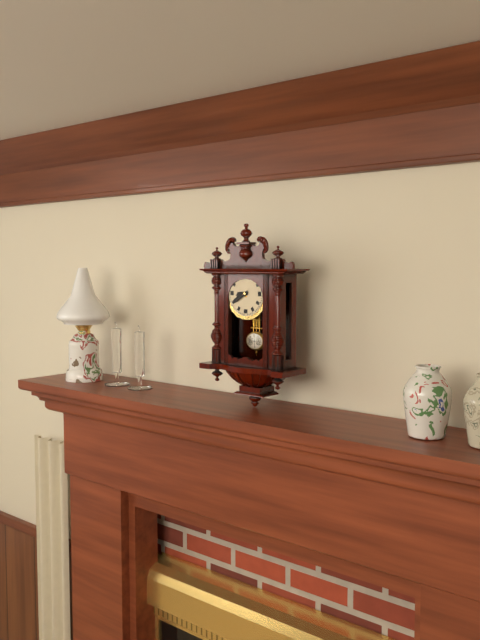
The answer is 8:40
